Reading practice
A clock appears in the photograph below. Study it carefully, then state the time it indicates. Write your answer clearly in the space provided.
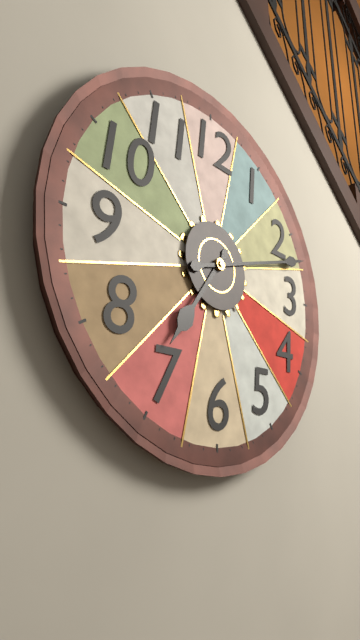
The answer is 7:12
